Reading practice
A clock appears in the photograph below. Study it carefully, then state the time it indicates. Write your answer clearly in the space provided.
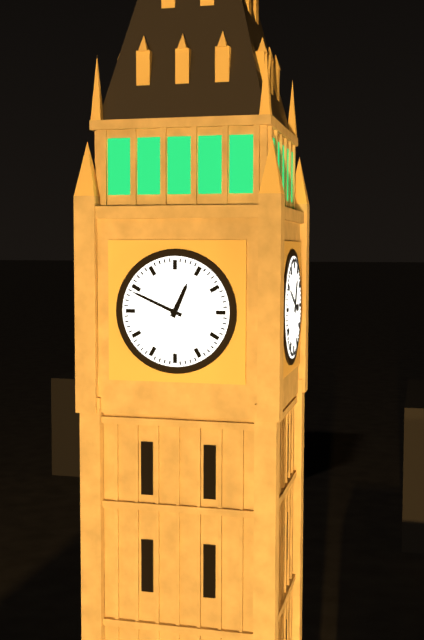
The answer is 12:49
